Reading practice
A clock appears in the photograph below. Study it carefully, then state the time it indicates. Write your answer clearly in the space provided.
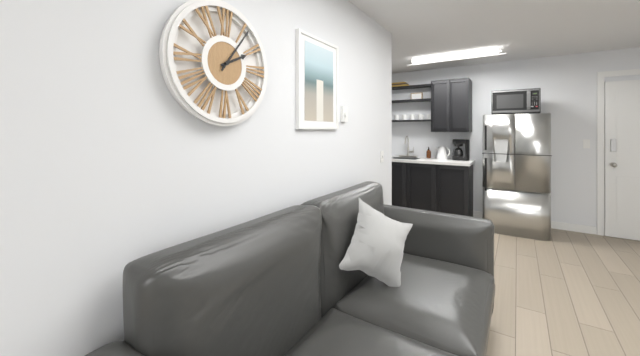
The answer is 2:06
